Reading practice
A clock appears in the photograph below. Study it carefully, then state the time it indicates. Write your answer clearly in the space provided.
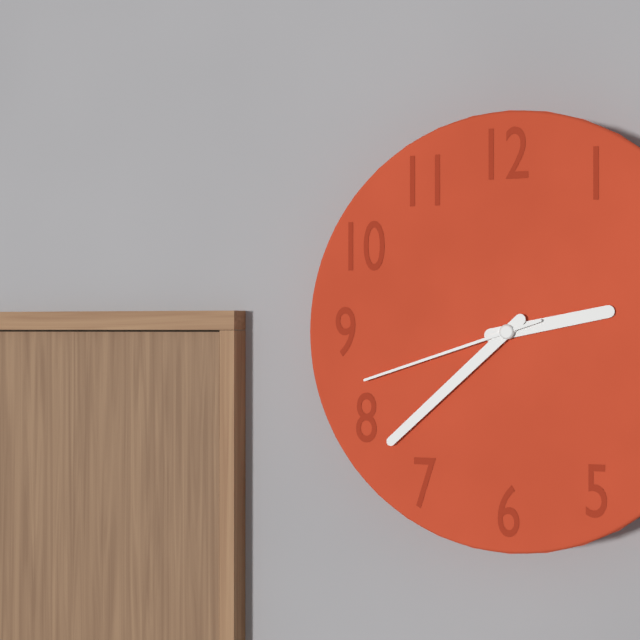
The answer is 2:38:42
